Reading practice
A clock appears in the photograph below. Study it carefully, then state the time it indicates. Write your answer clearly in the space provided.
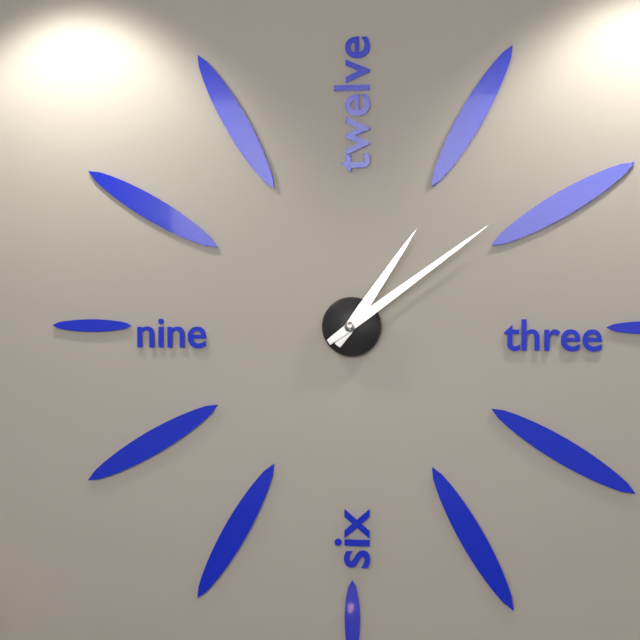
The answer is 1:09
